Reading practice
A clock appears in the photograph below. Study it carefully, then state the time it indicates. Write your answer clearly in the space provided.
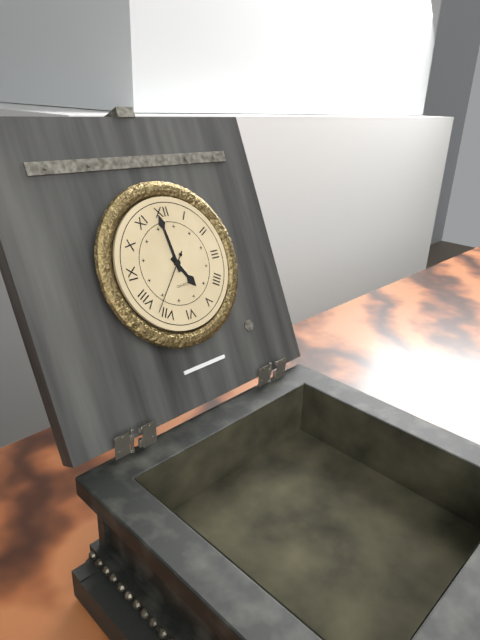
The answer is 4:59:37
